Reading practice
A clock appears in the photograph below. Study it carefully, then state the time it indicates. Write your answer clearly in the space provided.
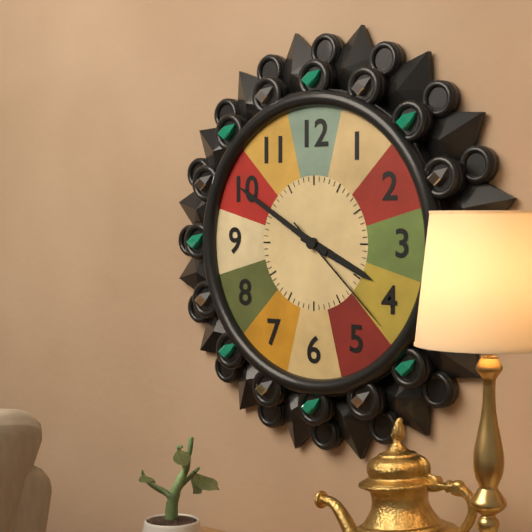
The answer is 3:50:22
